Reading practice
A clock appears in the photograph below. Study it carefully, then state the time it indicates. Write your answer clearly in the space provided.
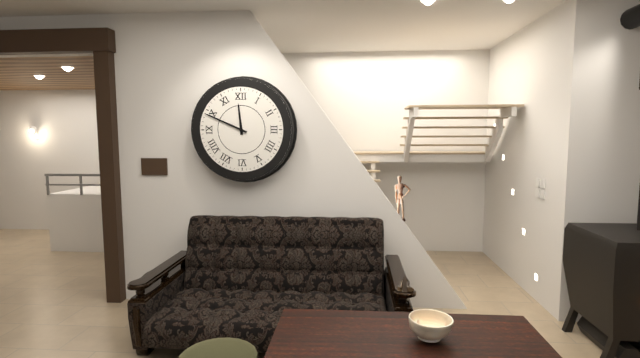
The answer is 11:49
